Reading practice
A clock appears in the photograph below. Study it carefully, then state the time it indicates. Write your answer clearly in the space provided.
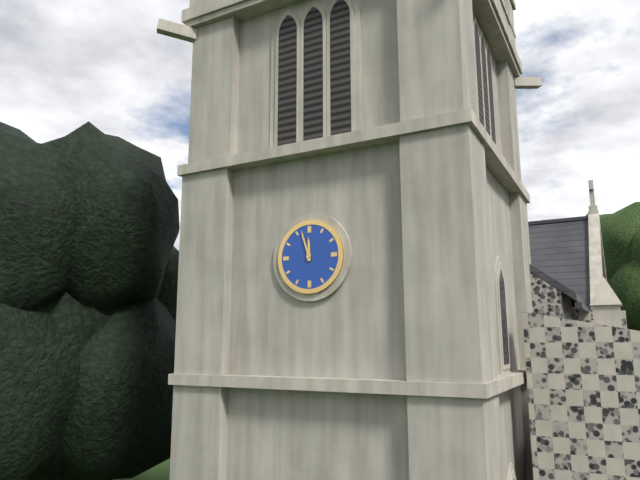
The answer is 11:57
